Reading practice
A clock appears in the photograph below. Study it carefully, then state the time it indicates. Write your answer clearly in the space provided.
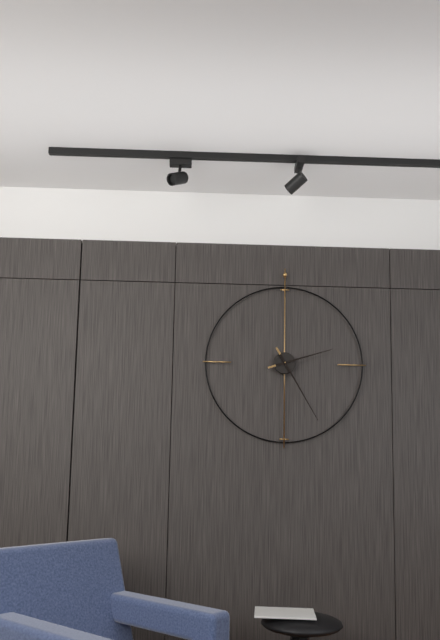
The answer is 2:25
